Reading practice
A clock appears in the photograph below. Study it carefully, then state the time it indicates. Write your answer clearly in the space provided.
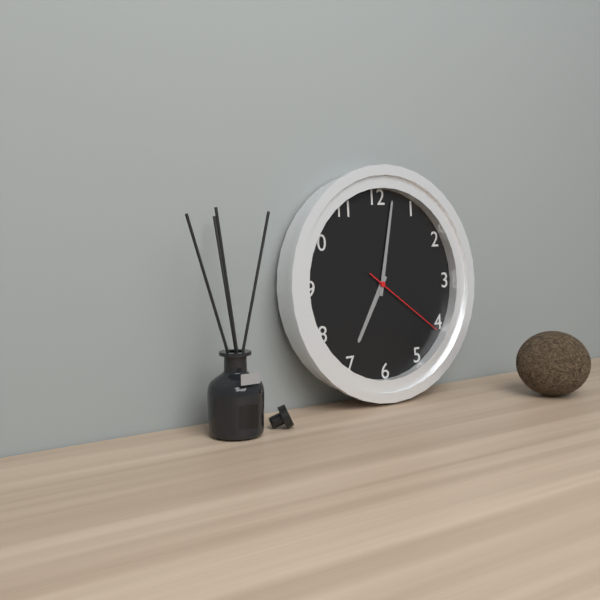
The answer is 7:02:21
